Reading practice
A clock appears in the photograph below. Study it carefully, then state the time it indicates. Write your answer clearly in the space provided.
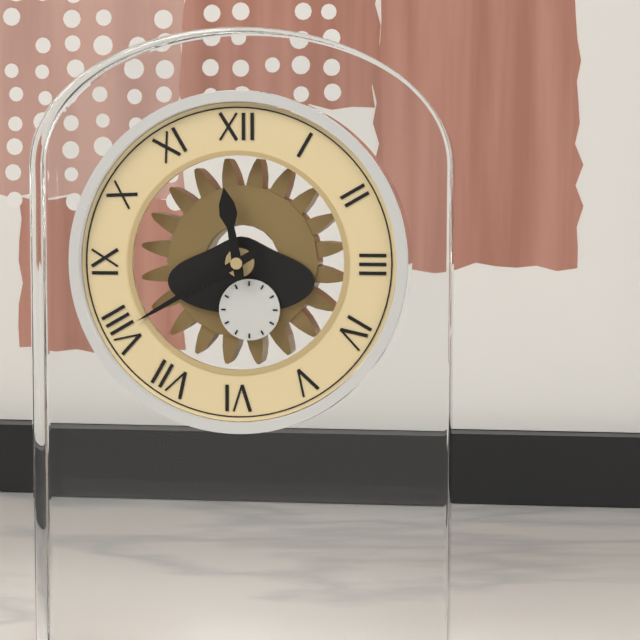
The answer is 11:40
